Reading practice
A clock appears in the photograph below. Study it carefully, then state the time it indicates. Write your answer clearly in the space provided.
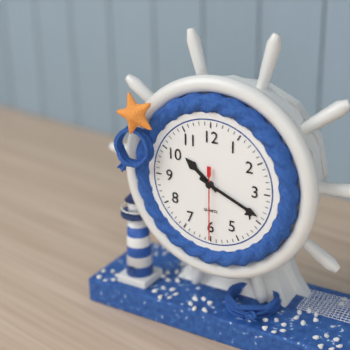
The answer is 10:19:30
